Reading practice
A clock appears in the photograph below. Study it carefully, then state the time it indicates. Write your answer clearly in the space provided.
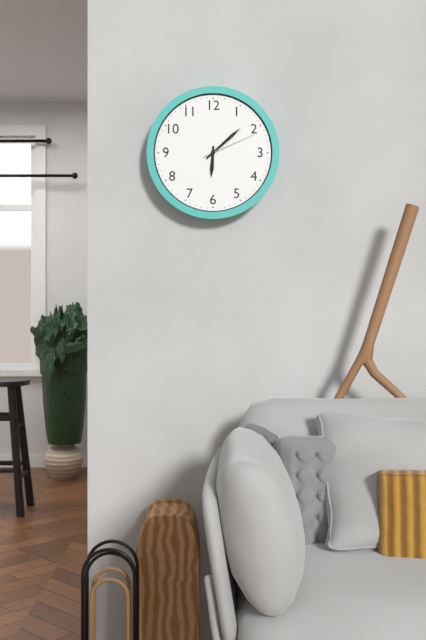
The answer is 6:08:11
